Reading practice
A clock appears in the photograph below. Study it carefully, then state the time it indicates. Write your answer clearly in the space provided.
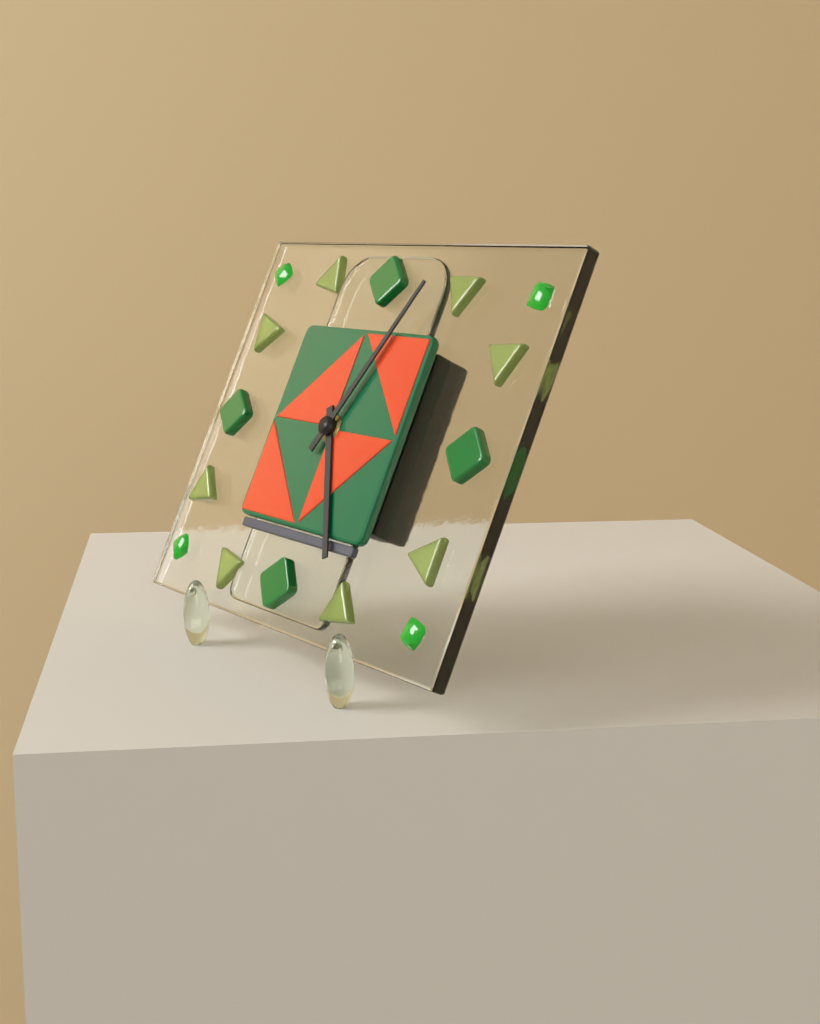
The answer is 5:04
